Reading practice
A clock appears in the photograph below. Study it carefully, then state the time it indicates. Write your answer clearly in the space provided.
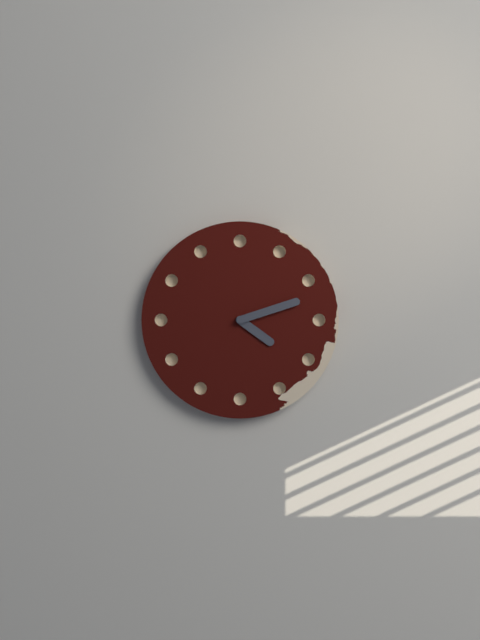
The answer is 4:12
